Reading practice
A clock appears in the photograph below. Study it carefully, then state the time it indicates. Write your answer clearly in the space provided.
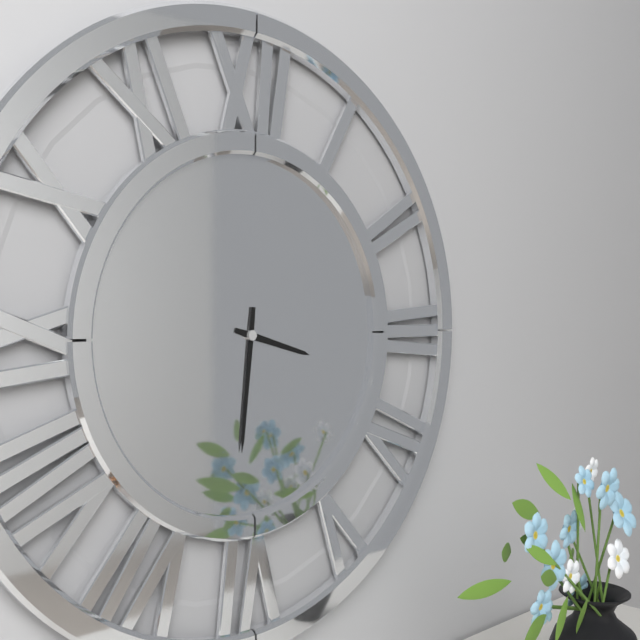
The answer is 3:31
